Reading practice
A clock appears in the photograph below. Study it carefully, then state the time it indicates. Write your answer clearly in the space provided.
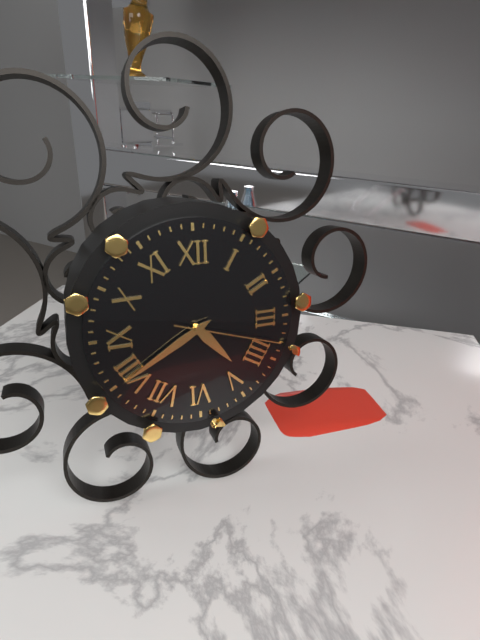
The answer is 4:40:18
